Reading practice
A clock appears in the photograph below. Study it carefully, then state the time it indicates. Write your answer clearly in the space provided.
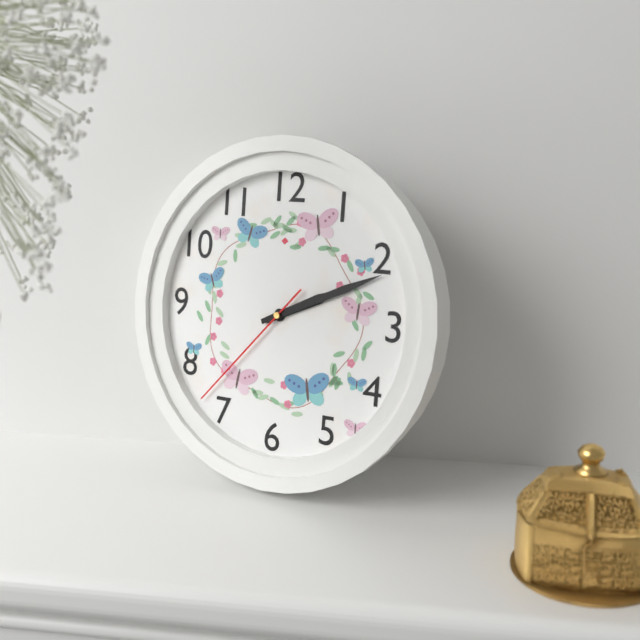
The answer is 2:11:37
